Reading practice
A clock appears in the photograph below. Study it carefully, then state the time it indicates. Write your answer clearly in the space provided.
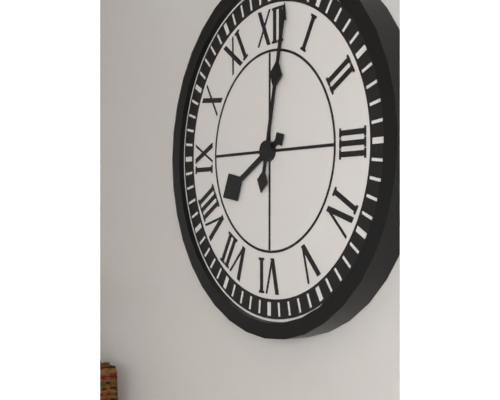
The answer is 8:02
